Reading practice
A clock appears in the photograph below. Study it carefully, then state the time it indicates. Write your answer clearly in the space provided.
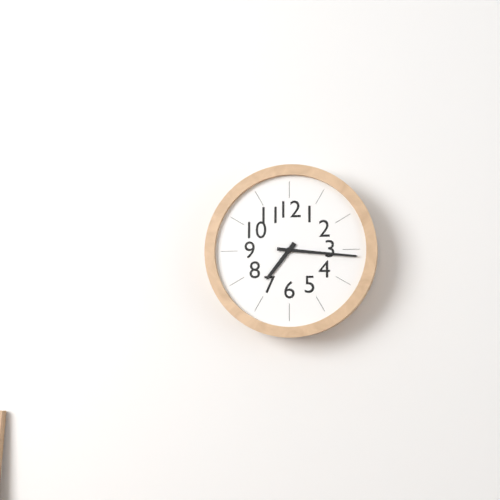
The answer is 7:16
